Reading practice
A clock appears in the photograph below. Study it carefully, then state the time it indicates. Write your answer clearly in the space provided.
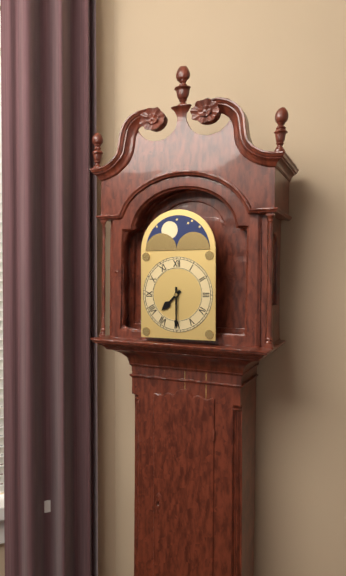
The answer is 7:30
